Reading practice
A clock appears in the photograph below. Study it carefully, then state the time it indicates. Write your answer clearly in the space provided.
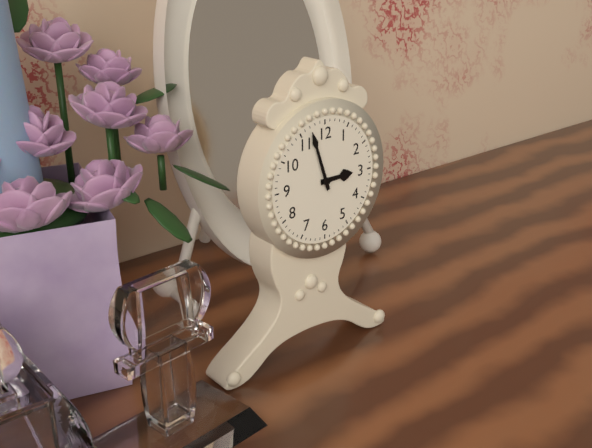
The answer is 2:57
